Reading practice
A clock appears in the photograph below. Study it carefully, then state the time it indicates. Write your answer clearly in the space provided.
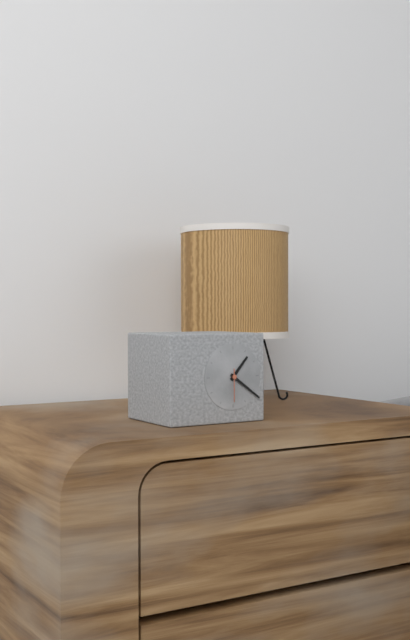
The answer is 1:21
